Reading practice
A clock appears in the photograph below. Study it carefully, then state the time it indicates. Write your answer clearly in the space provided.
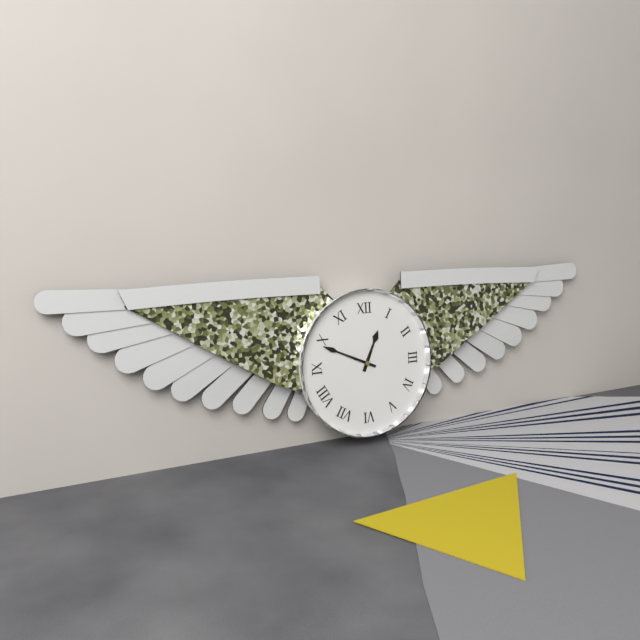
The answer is 12:49
